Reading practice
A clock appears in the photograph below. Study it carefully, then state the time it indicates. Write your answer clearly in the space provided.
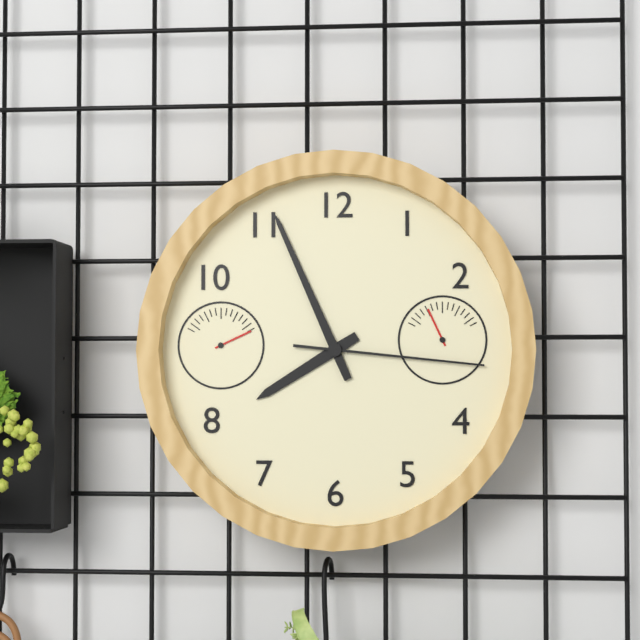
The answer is 7:56:16
